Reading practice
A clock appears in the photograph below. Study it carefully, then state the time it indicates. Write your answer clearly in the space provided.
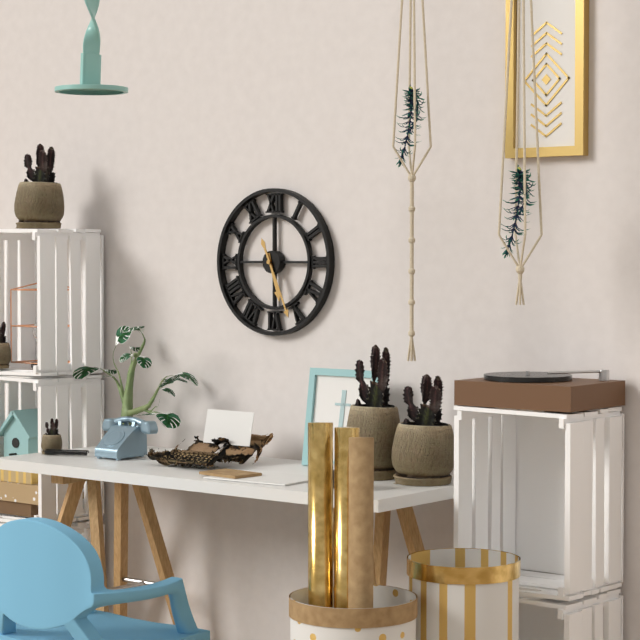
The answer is 5:26
